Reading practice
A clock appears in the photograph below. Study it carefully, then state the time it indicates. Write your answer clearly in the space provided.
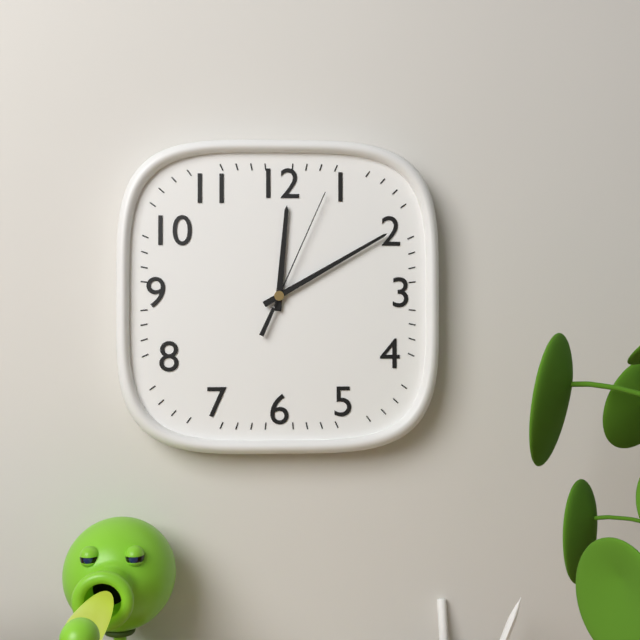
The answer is 12:10:04
